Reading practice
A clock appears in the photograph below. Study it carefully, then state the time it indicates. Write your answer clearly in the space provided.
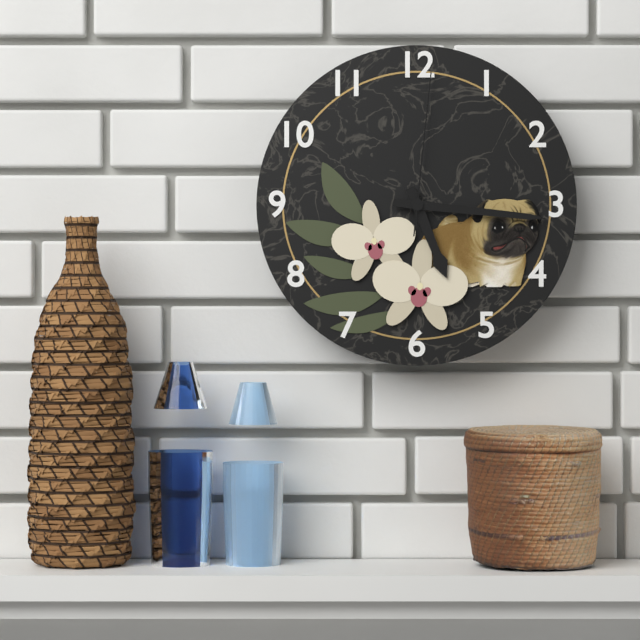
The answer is 5:16:01
